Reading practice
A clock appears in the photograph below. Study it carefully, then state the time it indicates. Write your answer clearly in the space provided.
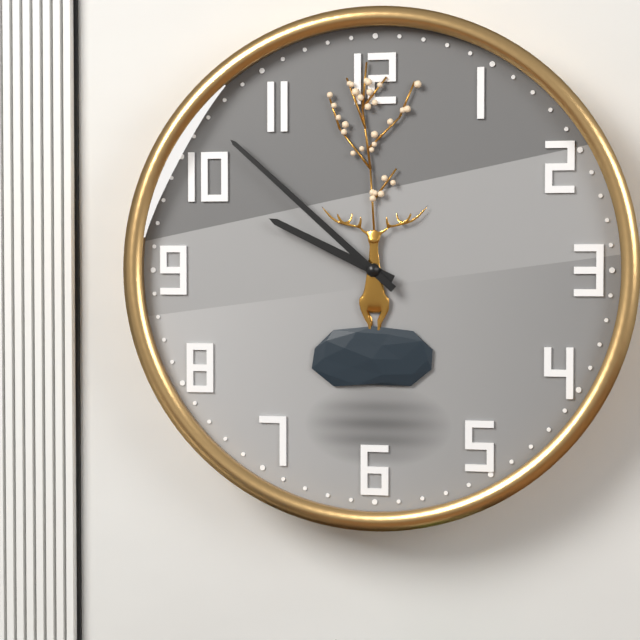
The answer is 9:52
